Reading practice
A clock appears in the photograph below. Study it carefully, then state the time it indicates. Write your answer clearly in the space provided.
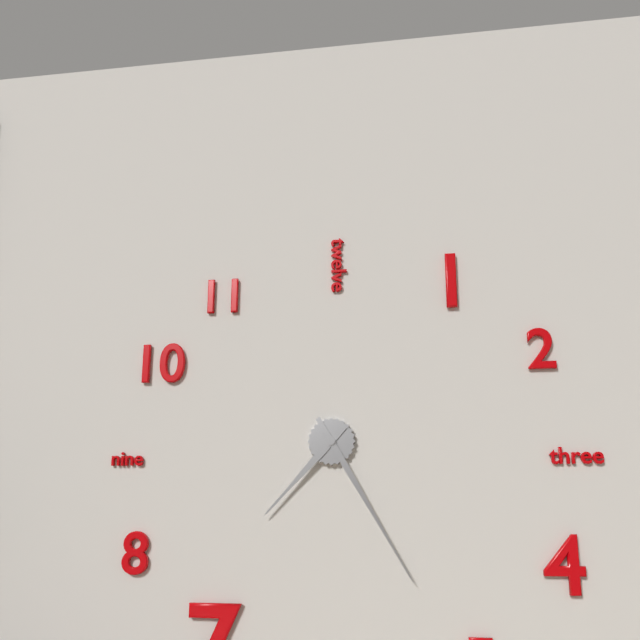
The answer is 7:25
